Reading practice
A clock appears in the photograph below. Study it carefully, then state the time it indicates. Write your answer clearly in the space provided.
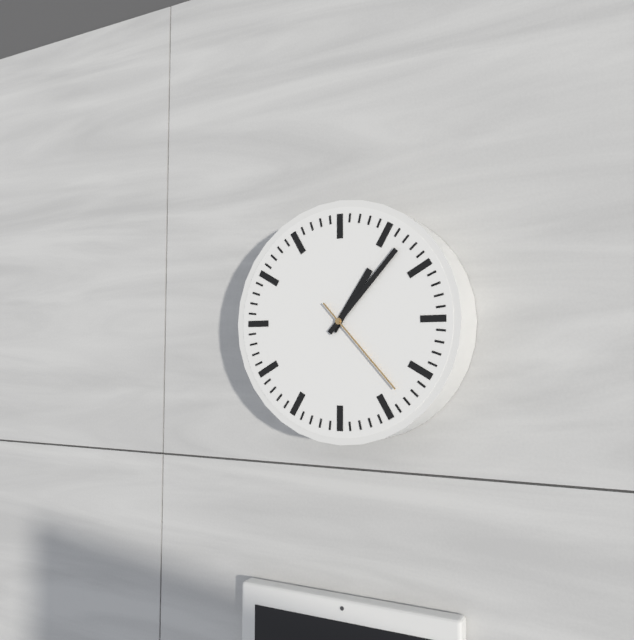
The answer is 1:07:23
